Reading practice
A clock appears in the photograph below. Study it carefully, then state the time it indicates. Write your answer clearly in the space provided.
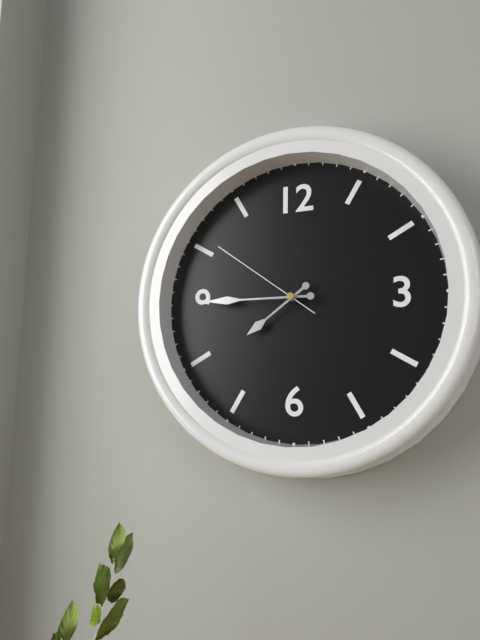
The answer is 7:45:51
